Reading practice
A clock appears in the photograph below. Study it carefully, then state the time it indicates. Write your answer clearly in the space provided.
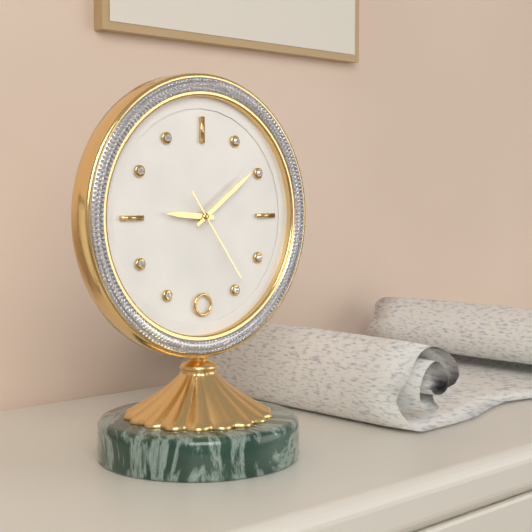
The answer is 9:09:24
